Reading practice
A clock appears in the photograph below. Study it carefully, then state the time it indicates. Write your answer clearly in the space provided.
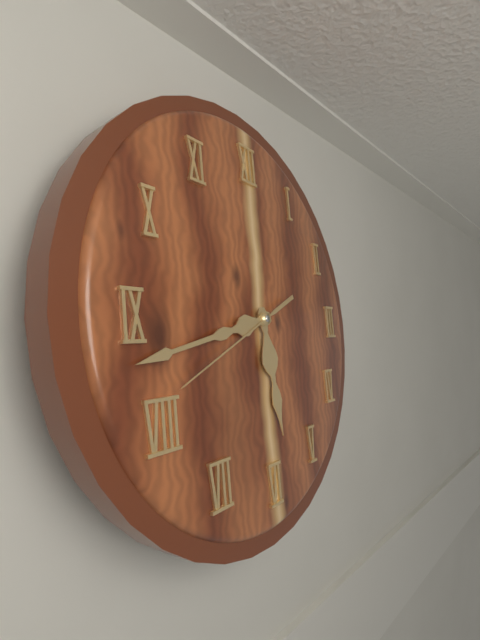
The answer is 5:43:41
